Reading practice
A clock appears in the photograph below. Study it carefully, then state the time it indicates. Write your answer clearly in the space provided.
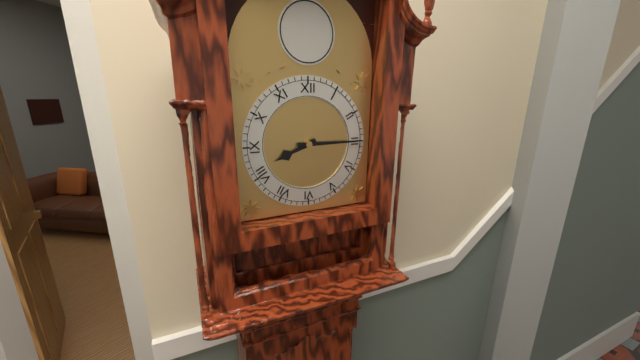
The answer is 8:15
